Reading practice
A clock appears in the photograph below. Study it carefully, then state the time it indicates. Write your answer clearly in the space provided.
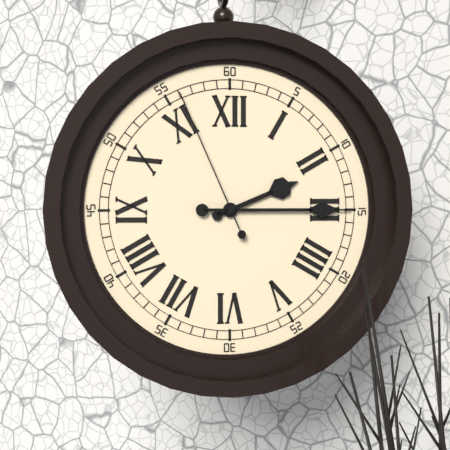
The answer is 2:15:56
